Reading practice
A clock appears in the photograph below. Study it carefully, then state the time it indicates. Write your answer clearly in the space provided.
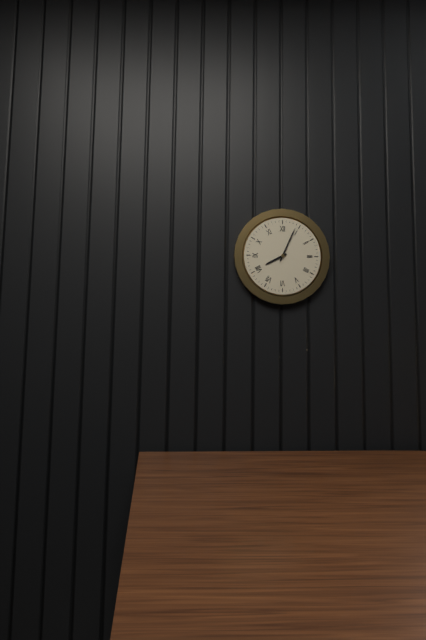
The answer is 8:04
